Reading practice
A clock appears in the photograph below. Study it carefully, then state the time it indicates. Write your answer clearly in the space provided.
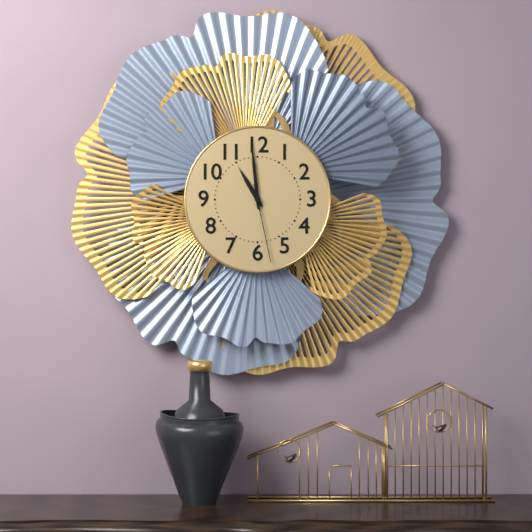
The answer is 10:59:28
